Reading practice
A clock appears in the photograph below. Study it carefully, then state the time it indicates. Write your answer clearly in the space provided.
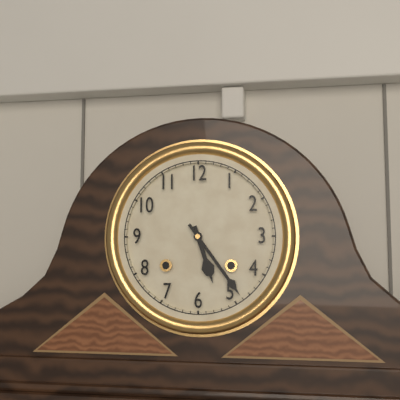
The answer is 5:24
